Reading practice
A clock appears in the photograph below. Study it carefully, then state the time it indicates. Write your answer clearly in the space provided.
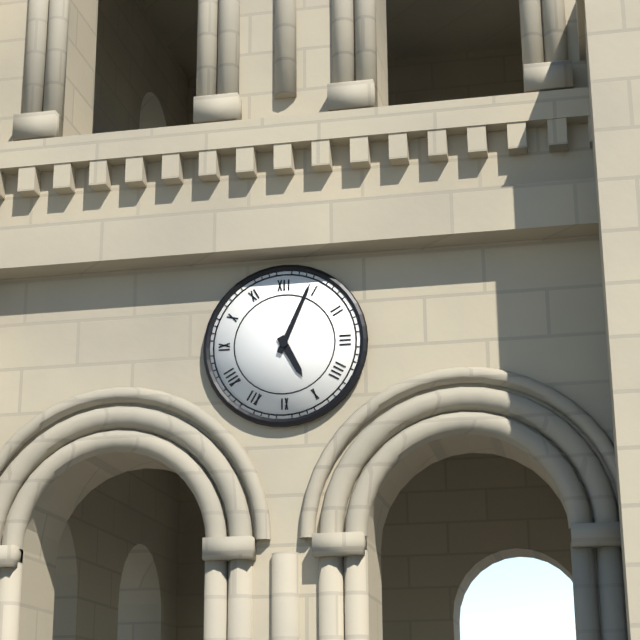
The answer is 5:04
